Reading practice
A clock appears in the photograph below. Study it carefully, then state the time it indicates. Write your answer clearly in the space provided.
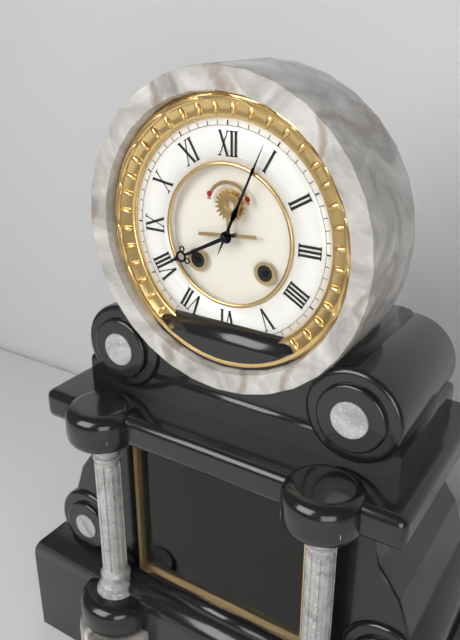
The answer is 8:04
